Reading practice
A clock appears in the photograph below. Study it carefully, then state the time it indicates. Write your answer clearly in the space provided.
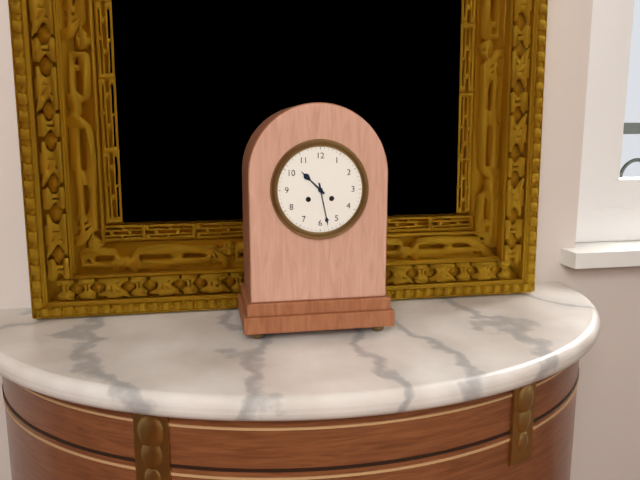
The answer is 10:28
